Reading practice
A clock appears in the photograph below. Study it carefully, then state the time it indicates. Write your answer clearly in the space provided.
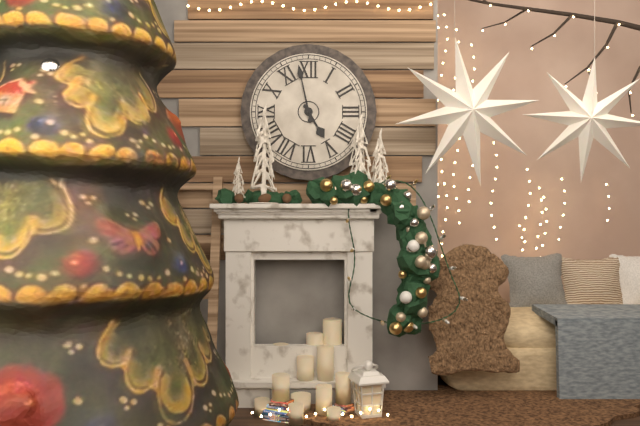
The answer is 4:58
